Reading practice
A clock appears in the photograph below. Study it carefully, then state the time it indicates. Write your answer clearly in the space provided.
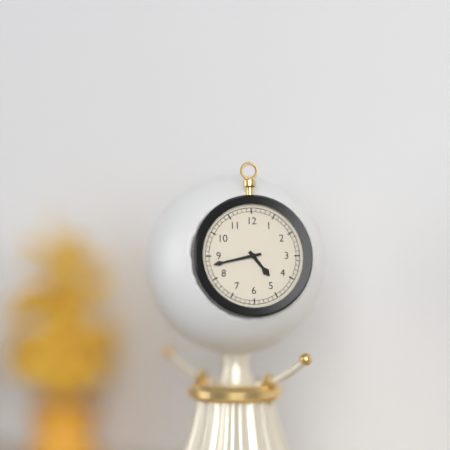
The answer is 4:43
